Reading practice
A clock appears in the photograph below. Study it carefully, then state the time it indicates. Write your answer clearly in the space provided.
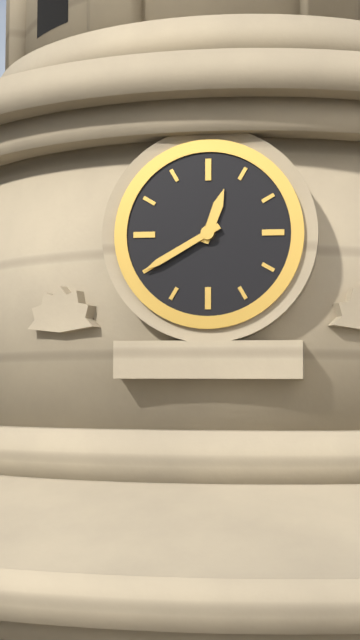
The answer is 12:40
